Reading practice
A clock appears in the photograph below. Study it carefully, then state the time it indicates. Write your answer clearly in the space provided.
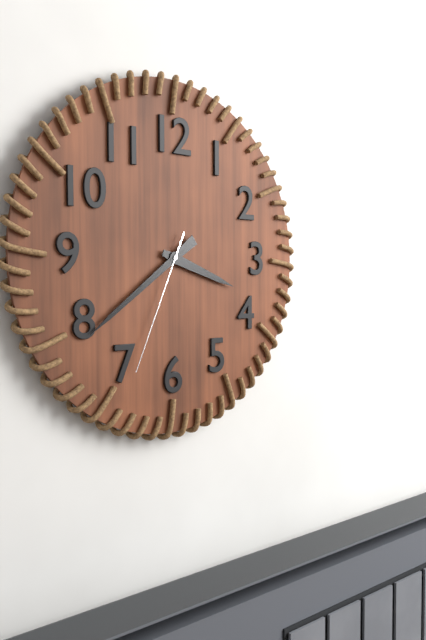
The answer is 3:39:34
